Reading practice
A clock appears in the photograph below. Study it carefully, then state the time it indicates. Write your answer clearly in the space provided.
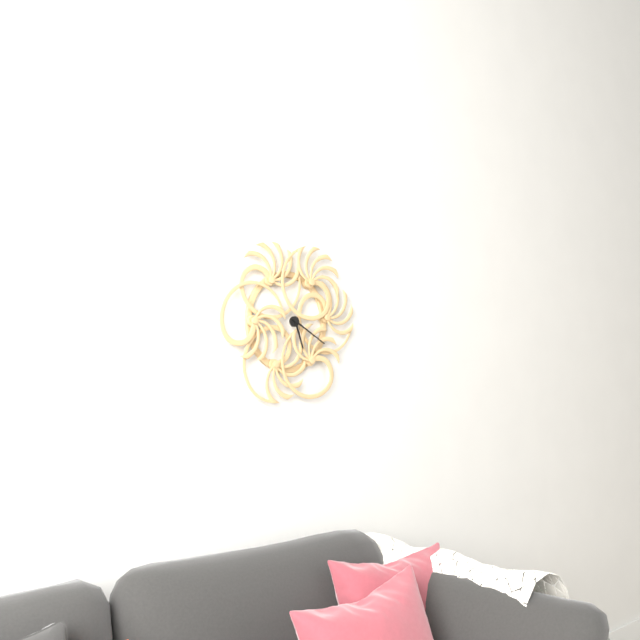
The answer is 5:20
